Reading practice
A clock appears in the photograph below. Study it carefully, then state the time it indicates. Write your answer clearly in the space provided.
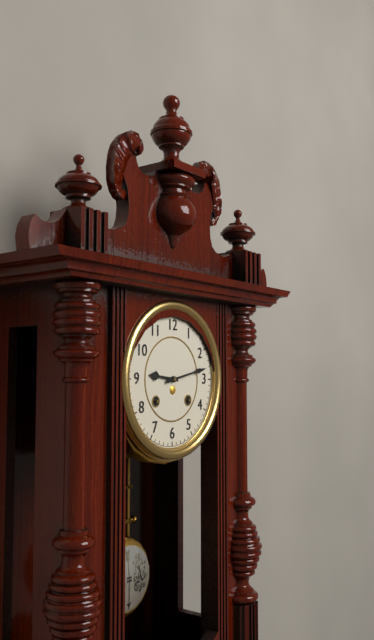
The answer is 9:13
